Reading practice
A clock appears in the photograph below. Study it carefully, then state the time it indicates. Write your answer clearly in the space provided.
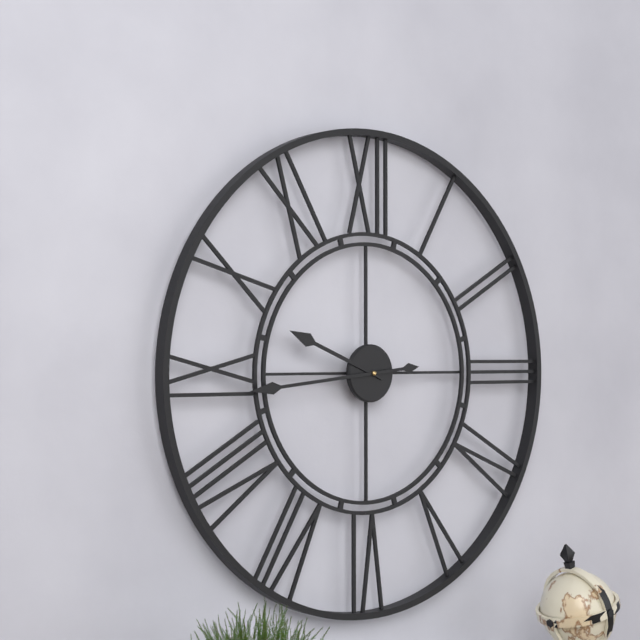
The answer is 9:44
